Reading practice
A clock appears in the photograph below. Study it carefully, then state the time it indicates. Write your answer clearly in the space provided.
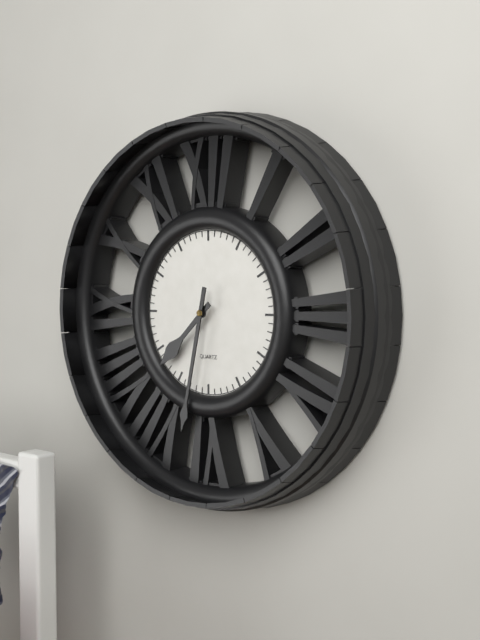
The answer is 7:32
